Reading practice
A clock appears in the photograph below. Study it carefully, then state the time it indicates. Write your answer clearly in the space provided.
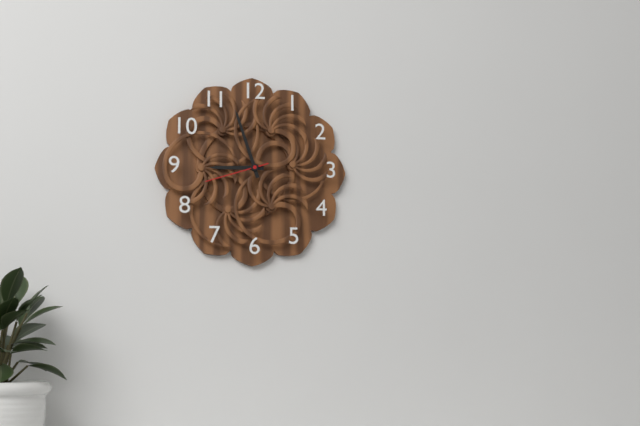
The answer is 8:57:42
